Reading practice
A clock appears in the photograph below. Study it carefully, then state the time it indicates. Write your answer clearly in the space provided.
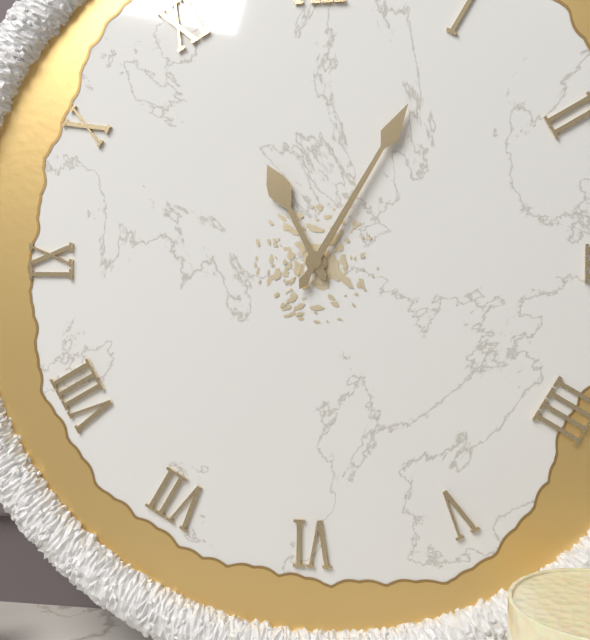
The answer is 11:05
